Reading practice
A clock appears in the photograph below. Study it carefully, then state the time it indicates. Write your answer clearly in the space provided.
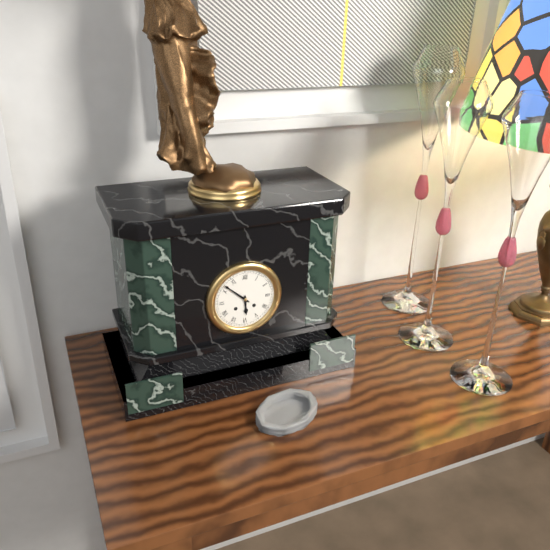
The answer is 5:52
